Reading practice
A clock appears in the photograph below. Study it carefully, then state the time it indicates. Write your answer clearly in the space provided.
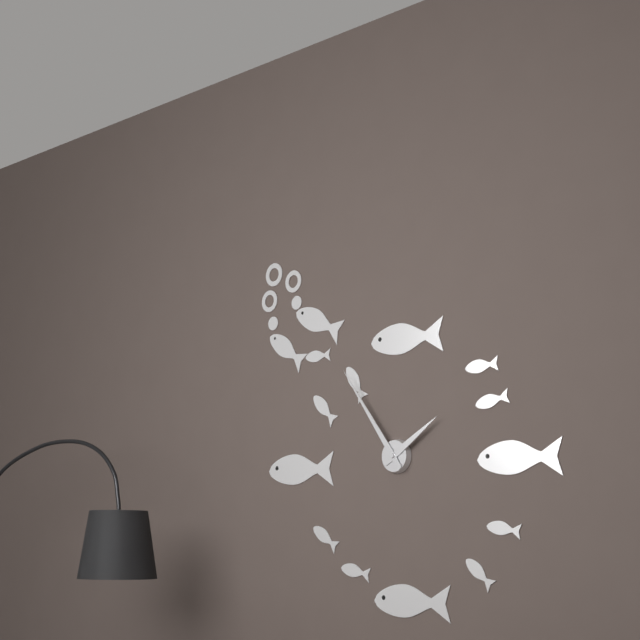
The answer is 1:54
